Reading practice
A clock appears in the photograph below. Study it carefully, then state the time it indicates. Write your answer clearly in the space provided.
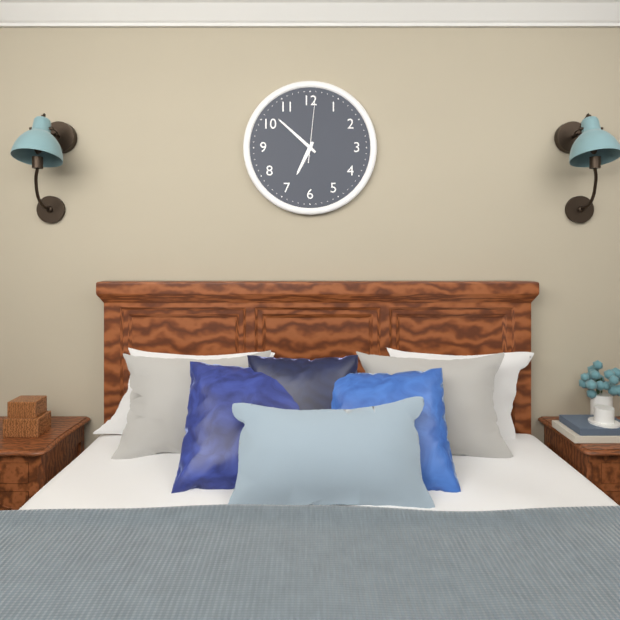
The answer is 6:52:01
